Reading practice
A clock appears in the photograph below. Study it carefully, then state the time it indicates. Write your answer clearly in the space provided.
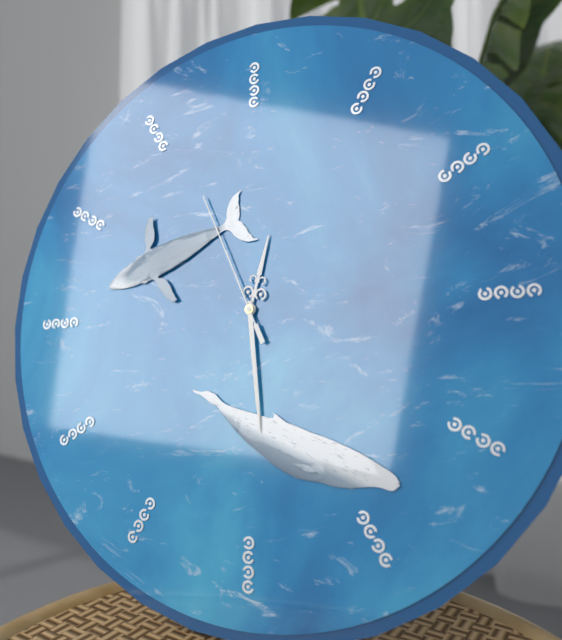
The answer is 12:29:56
